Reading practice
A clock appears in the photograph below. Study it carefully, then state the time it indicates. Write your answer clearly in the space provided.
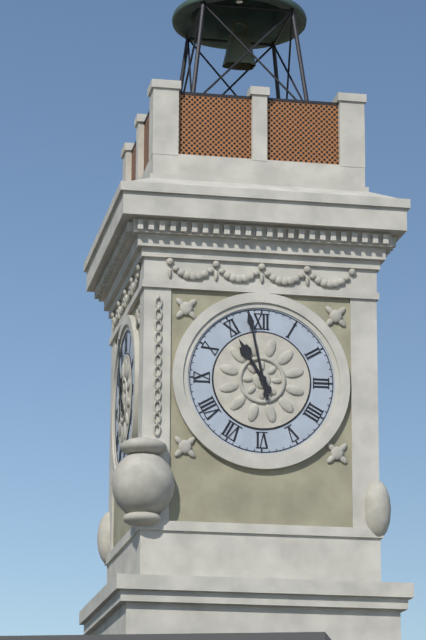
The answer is 10:58
